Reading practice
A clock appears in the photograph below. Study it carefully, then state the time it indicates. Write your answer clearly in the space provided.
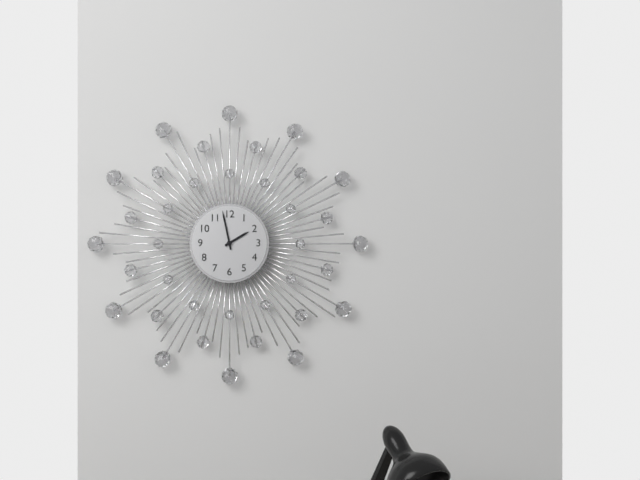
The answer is 1:58
